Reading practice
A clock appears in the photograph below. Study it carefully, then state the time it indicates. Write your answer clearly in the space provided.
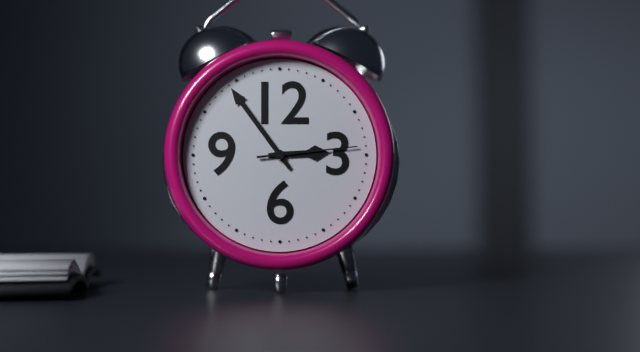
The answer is 2:54:14
